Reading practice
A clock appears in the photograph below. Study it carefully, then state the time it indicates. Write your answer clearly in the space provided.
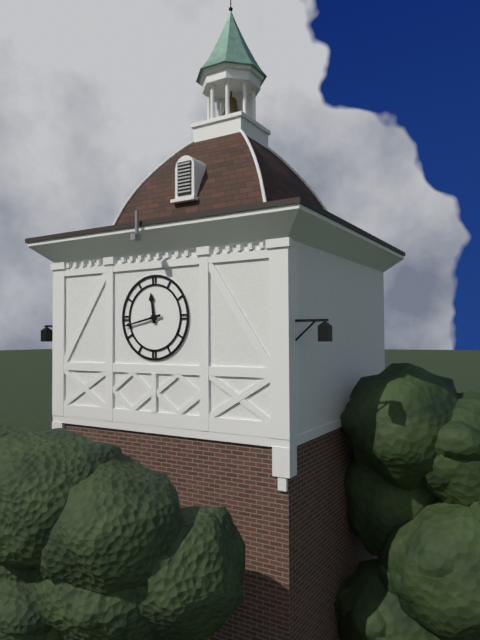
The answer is 11:43
